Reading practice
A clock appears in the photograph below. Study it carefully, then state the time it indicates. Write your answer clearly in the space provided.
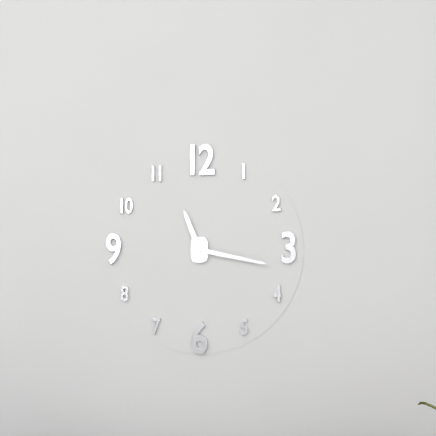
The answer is 11:17
